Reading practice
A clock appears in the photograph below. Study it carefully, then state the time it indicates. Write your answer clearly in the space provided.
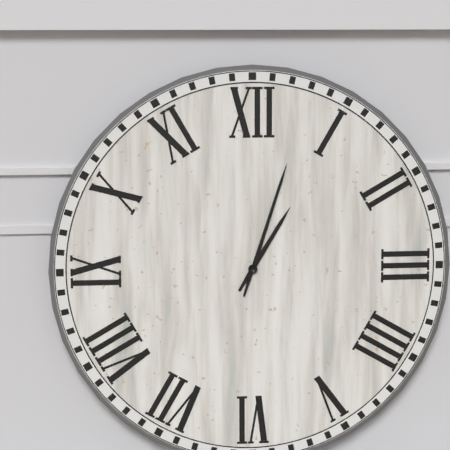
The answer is 1:03
